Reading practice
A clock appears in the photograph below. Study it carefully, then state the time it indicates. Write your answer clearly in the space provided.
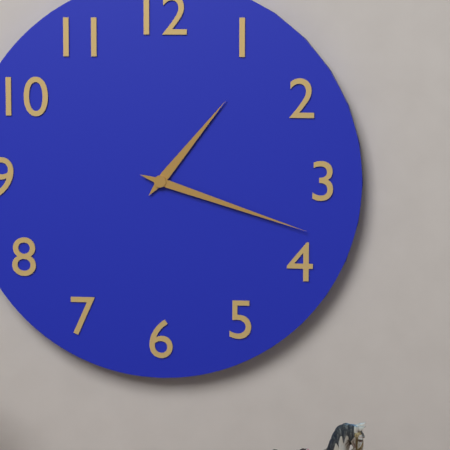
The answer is 1:18
